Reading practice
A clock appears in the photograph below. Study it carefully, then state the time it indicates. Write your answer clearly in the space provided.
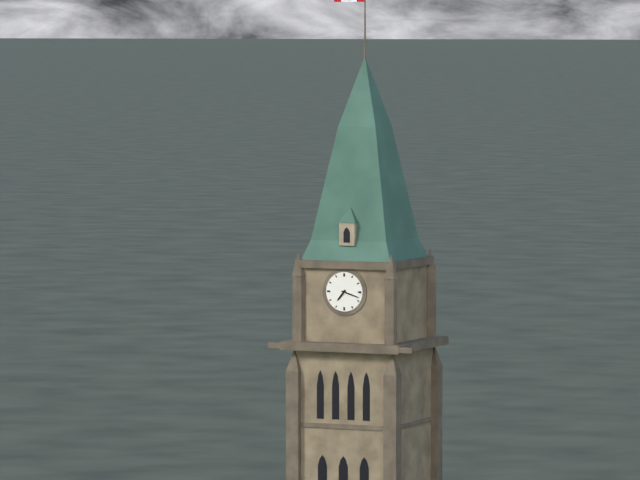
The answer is 7:18
